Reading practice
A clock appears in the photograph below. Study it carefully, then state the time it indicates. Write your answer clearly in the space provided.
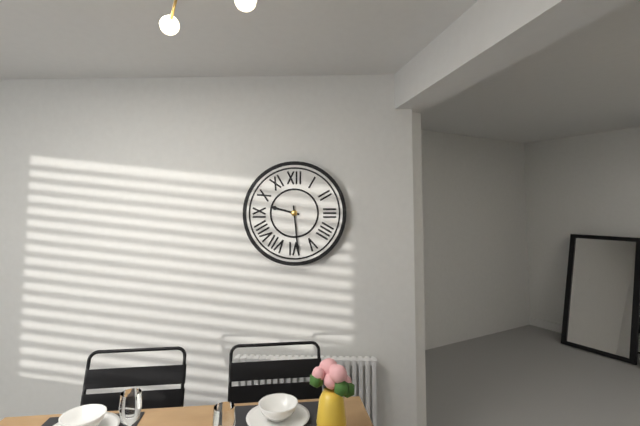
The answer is 9:29
